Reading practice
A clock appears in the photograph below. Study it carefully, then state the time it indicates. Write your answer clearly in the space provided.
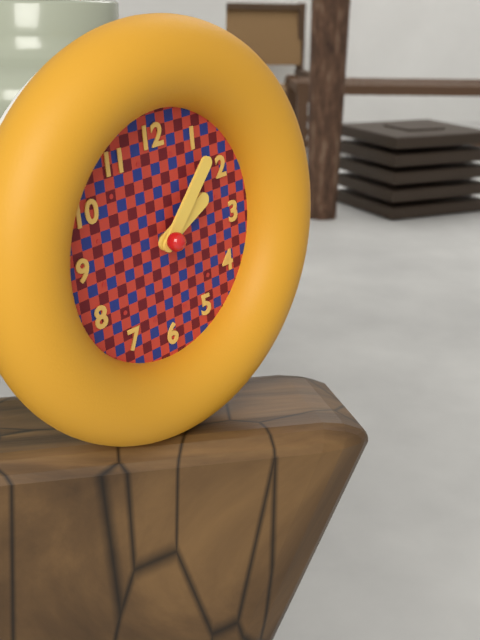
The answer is 2:07
